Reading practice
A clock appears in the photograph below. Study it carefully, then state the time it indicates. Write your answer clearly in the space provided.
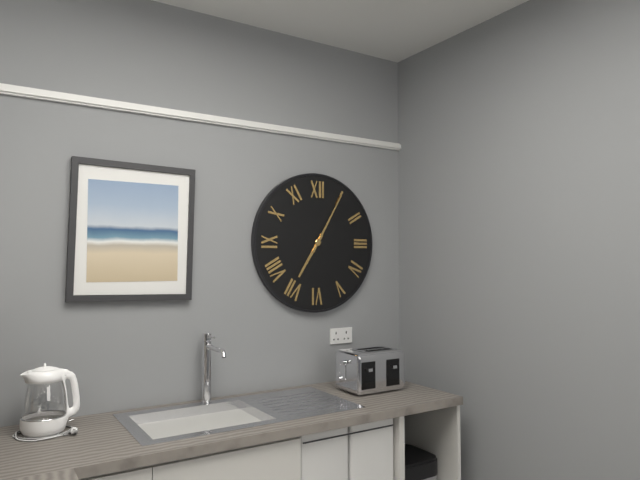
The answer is 7:05
